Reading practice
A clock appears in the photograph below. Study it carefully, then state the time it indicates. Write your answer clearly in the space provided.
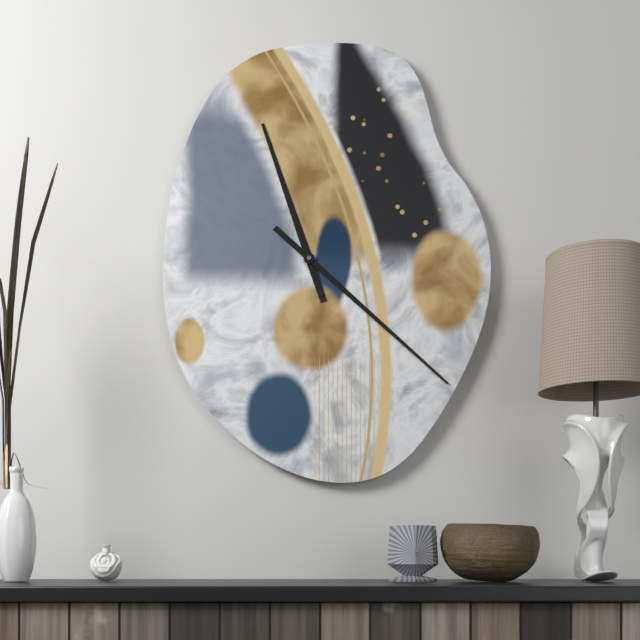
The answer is 11:22
